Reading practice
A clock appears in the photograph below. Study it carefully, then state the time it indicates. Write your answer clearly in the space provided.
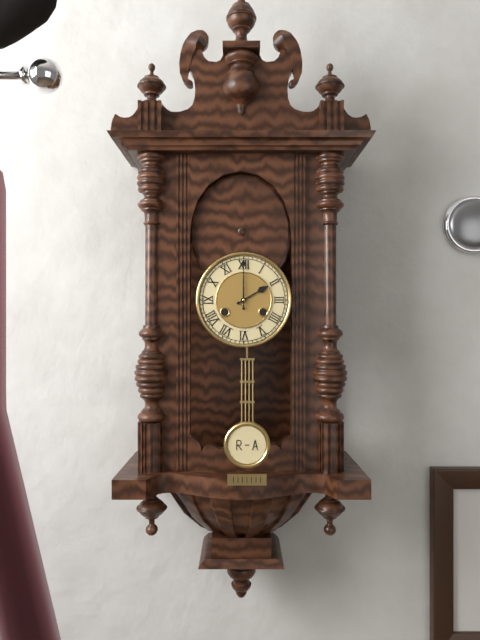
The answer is 2:00
